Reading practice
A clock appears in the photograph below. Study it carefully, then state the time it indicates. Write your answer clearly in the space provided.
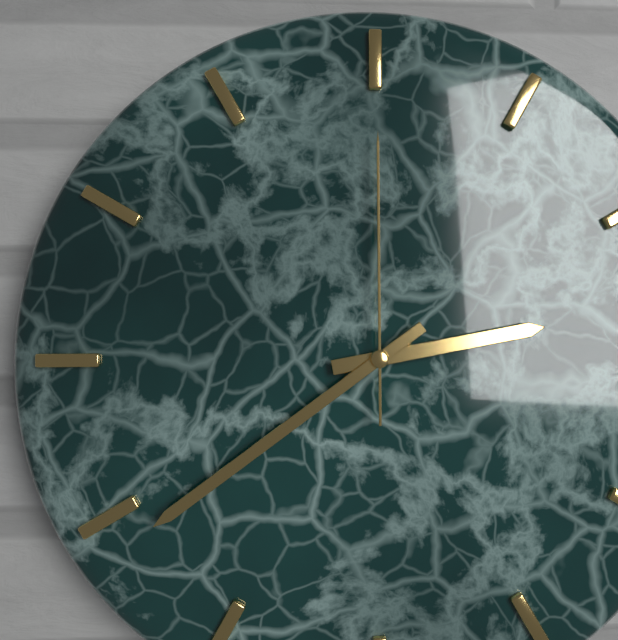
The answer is 2:39:00
